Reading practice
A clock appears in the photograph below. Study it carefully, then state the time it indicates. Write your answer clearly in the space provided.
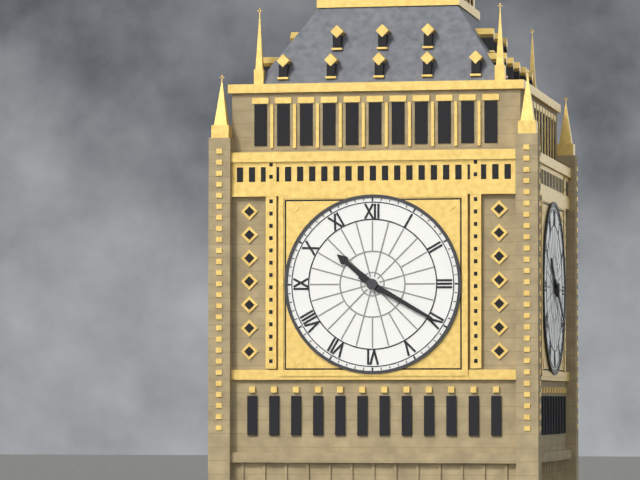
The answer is 10:20
